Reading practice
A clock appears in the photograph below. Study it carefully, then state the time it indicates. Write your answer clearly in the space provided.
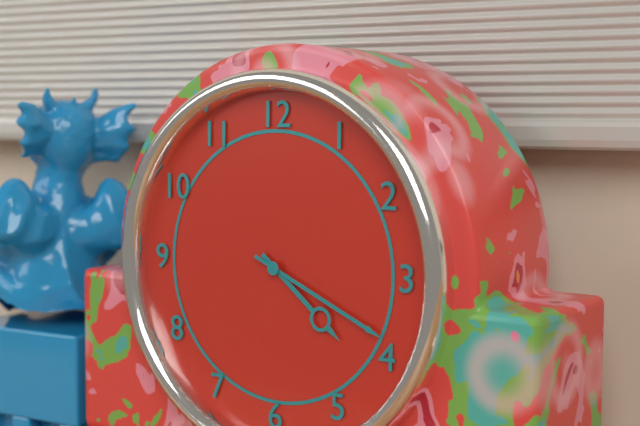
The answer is 4:19
